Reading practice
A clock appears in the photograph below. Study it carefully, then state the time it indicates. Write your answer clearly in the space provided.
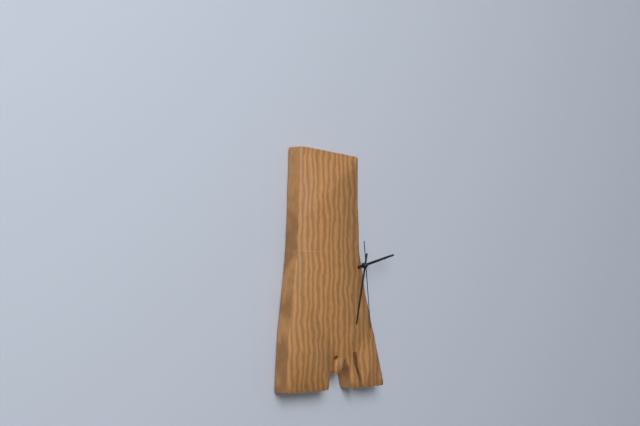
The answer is 2:32:29
